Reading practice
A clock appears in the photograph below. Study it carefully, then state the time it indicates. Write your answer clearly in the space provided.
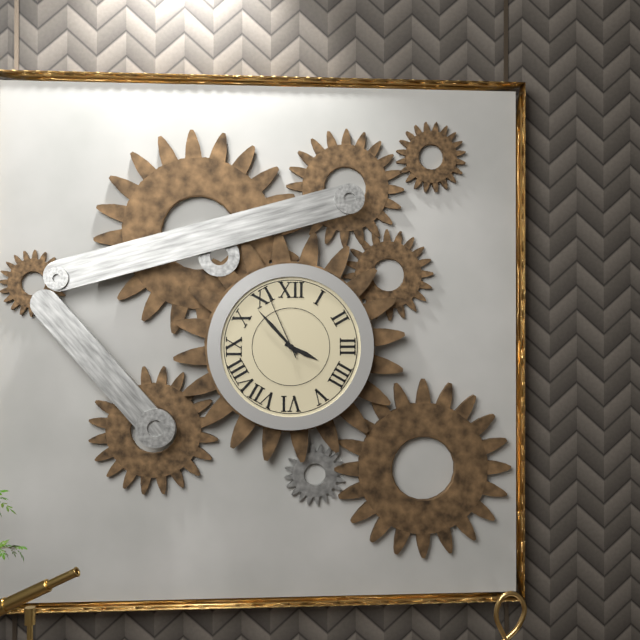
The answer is 3:53:56
